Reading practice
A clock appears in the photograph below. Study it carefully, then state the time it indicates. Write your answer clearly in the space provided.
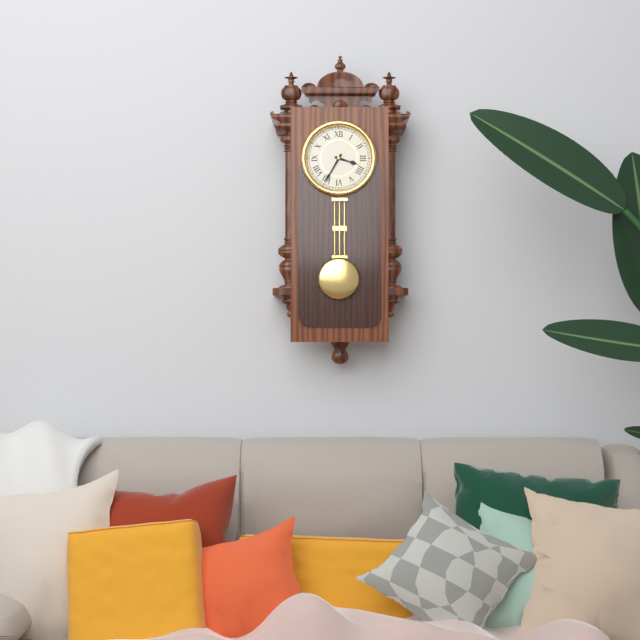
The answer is 3:35
